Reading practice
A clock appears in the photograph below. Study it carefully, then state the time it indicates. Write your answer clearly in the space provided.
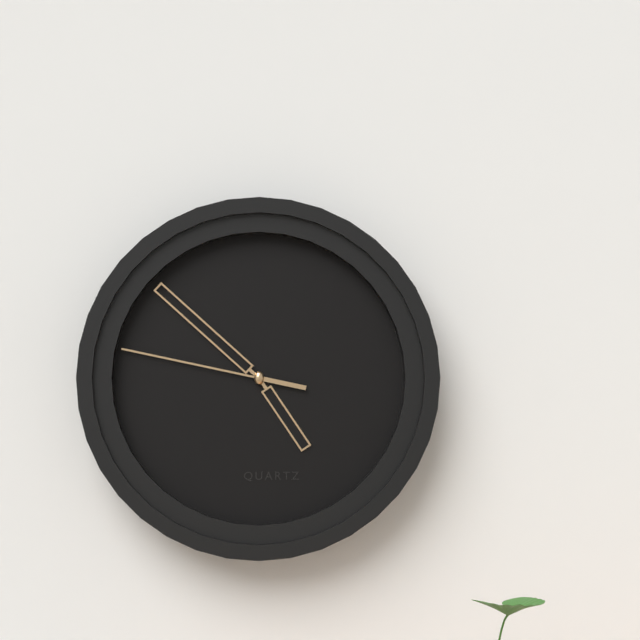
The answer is 4:52:47
